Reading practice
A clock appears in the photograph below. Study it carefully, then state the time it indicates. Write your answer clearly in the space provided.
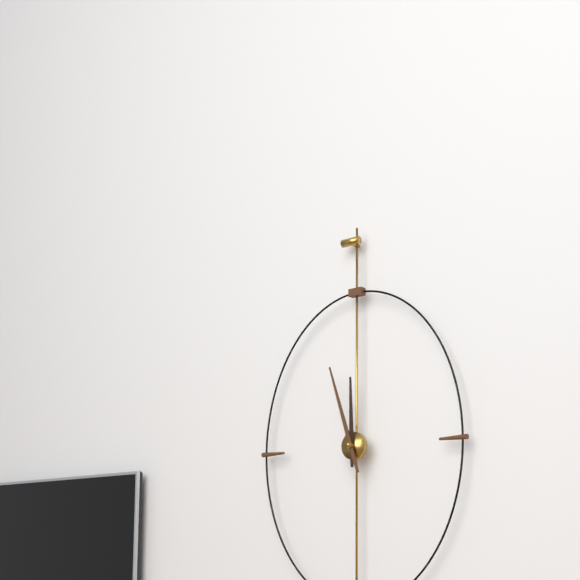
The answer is 11:57
